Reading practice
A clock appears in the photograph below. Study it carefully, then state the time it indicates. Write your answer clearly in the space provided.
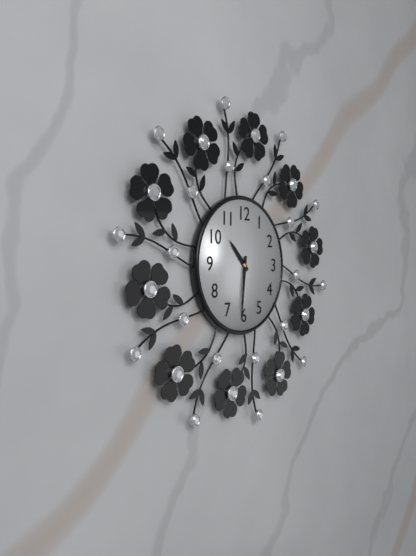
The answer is 10:31
